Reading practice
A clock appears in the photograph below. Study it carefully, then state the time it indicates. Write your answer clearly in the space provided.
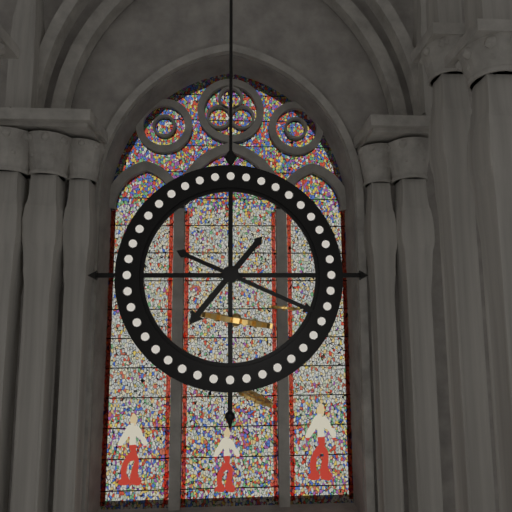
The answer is 7:19
